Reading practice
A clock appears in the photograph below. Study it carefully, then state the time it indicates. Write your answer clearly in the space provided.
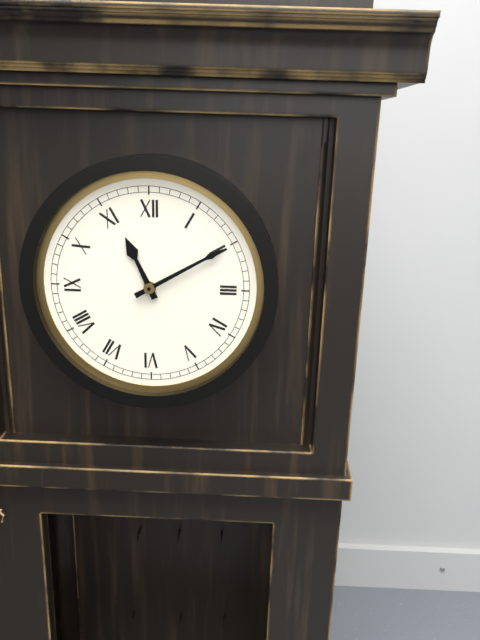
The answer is 11:10
